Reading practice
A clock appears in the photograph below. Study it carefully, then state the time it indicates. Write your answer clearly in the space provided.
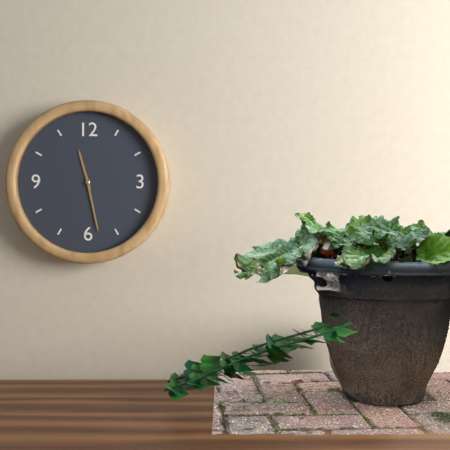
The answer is 11:28
